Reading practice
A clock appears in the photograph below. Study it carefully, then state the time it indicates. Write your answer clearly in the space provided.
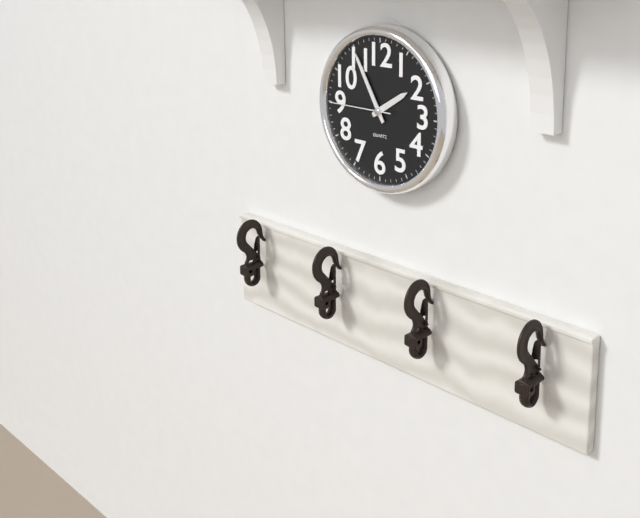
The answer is 1:55:45
